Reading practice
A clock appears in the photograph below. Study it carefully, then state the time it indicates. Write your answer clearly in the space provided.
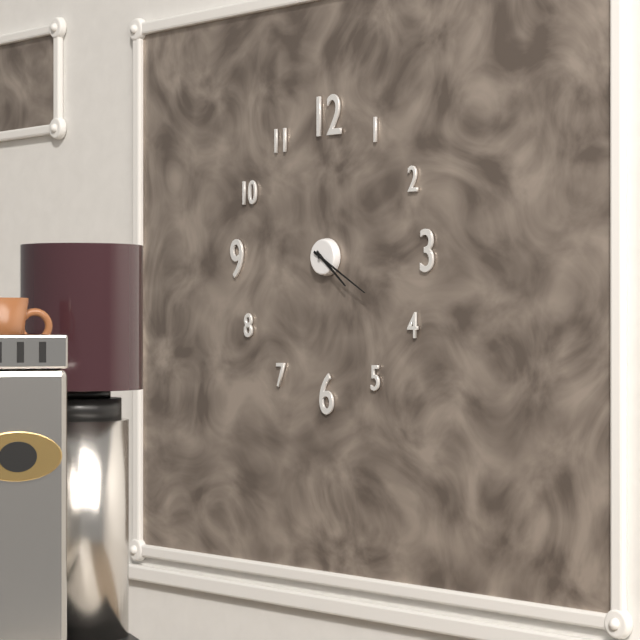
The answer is 4:20
